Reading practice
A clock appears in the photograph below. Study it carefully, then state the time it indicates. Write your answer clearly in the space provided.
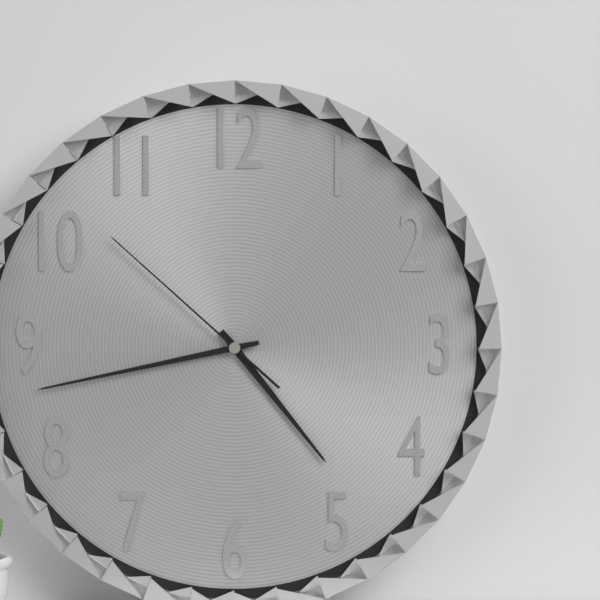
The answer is 4:43:52
